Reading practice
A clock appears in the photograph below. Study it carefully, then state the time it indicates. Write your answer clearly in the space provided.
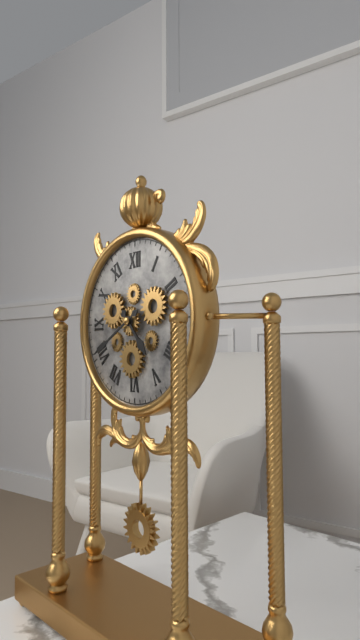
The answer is 4:40
